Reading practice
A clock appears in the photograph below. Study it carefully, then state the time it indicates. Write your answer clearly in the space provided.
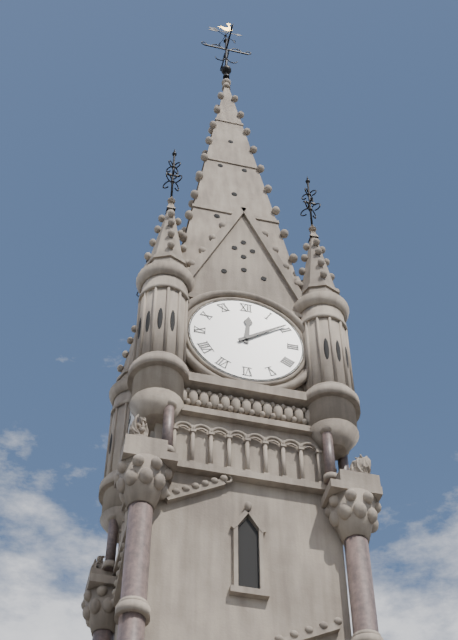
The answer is 12:09
